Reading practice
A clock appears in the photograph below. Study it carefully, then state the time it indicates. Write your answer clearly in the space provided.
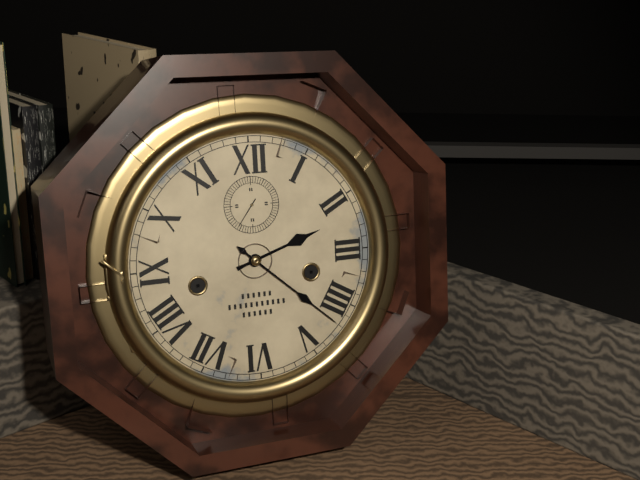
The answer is 2:22
